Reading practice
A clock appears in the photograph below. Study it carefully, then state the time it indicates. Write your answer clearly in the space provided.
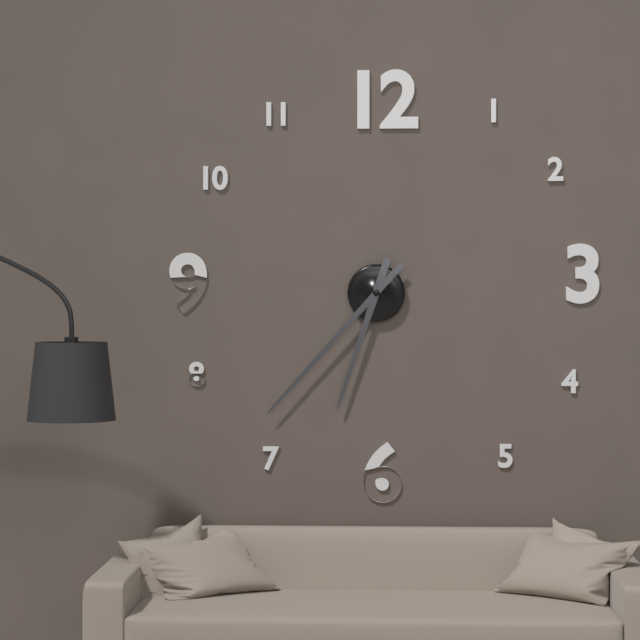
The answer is 6:37
